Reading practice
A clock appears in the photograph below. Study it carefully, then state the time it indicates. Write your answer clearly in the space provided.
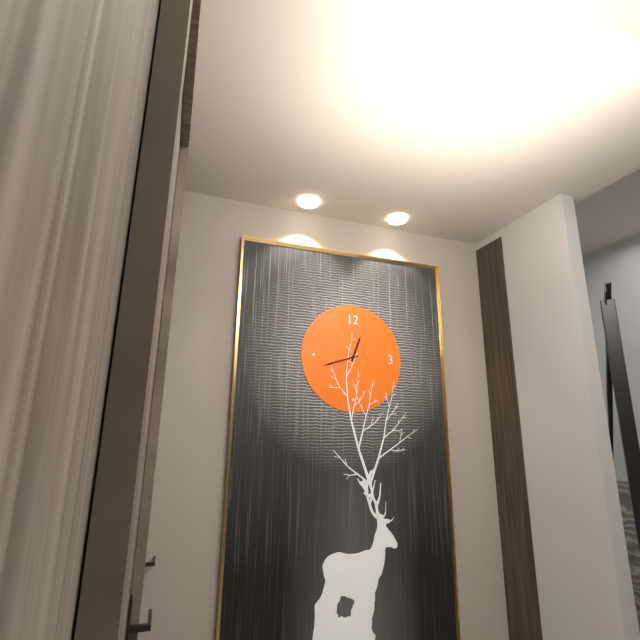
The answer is 12:42
